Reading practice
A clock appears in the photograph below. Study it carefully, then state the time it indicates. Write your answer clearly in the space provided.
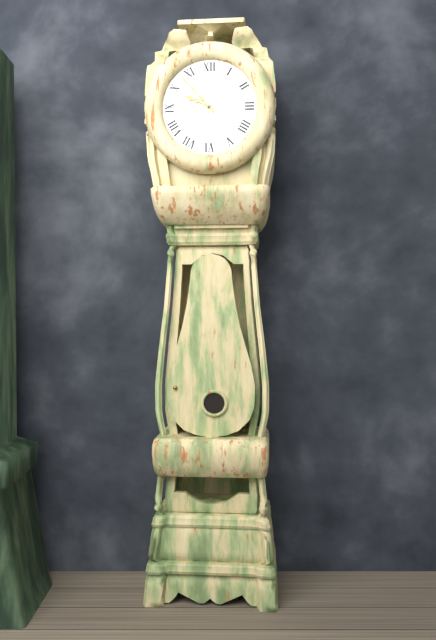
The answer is 9:53
